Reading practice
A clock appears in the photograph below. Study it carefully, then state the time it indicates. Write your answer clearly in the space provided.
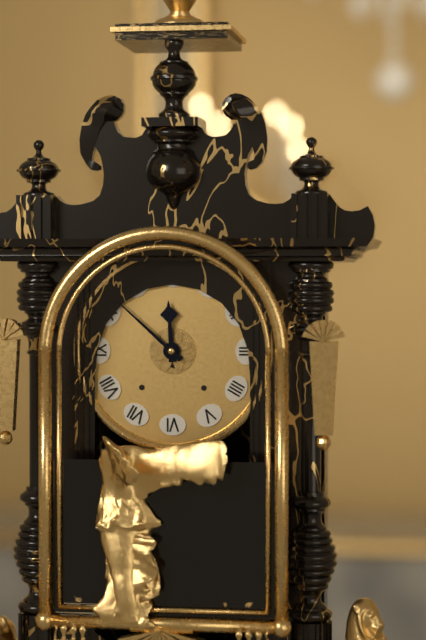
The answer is 11:52
